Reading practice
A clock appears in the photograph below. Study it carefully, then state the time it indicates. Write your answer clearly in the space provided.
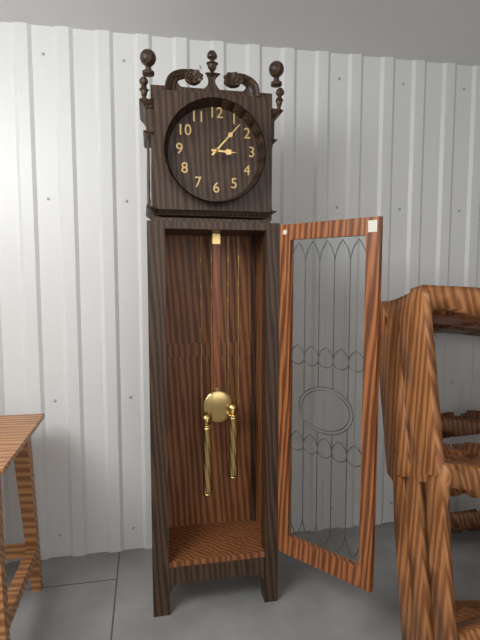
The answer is 3:07
